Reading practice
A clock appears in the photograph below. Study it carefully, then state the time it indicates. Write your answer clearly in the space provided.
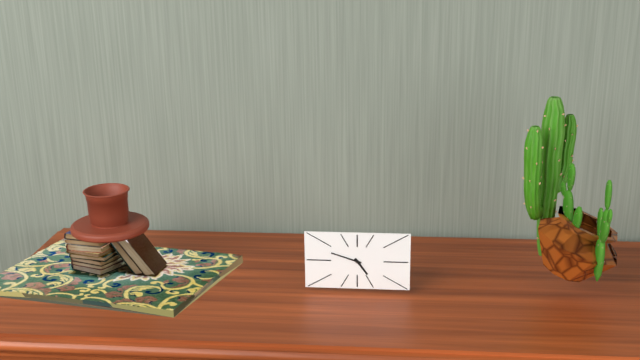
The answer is 4:48
